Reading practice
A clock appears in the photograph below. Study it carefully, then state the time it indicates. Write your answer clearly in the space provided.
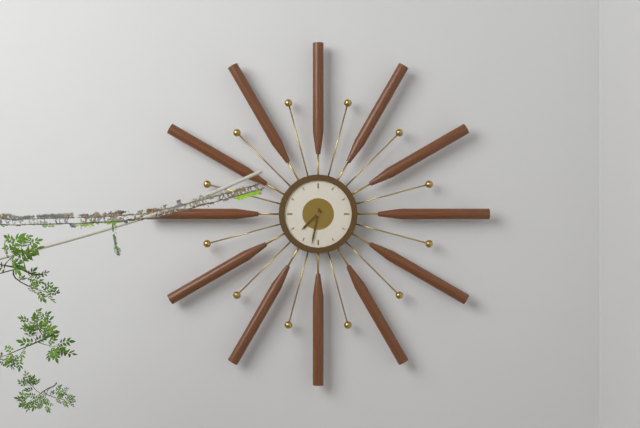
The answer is 7:32
